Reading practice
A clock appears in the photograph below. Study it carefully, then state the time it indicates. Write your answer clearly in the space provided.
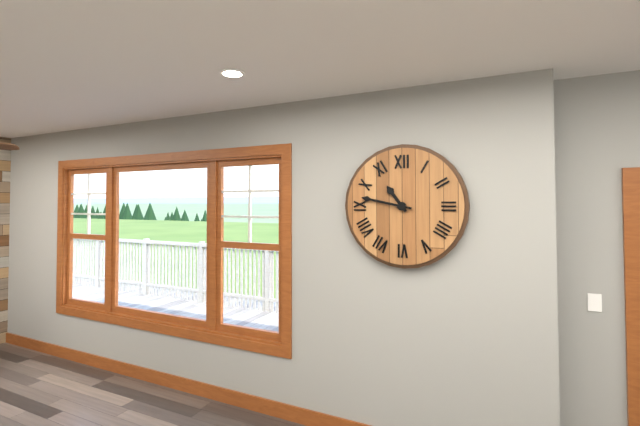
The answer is 10:47
